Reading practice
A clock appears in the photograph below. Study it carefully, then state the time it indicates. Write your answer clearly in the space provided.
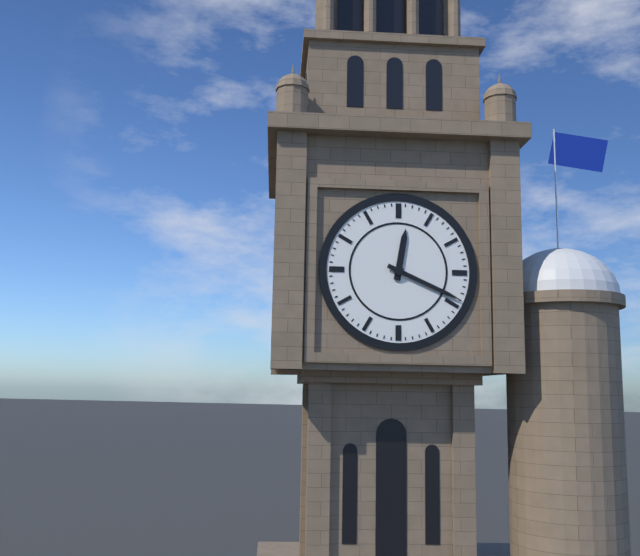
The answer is 12:19
